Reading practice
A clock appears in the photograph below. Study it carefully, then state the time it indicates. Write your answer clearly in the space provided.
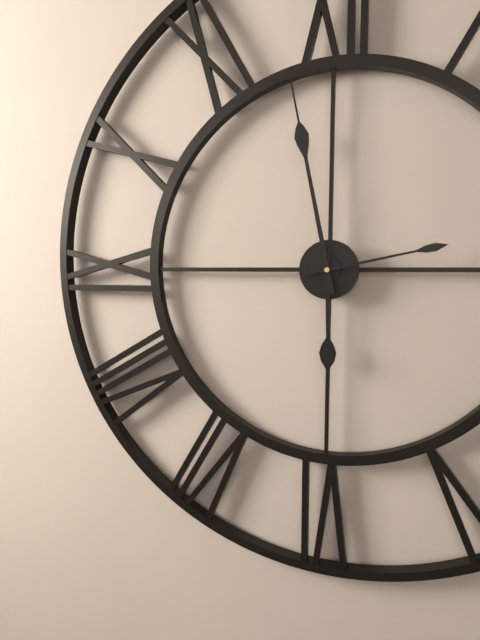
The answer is 5:58:13
